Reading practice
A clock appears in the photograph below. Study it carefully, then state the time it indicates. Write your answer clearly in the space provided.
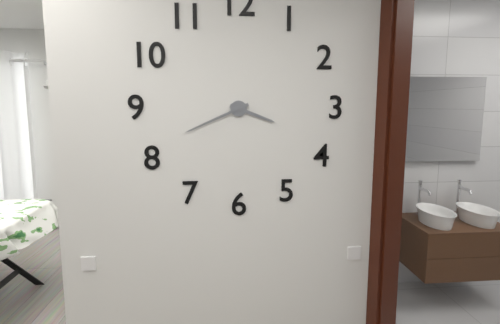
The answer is 3:41
